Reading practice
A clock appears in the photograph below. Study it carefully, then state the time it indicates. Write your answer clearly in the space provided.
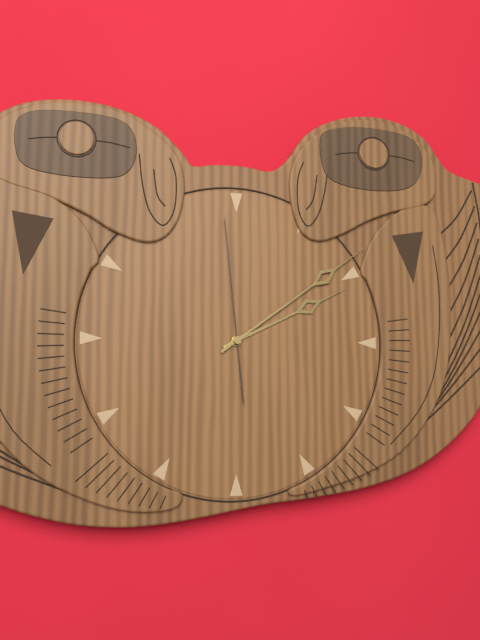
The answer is 2:09:59
